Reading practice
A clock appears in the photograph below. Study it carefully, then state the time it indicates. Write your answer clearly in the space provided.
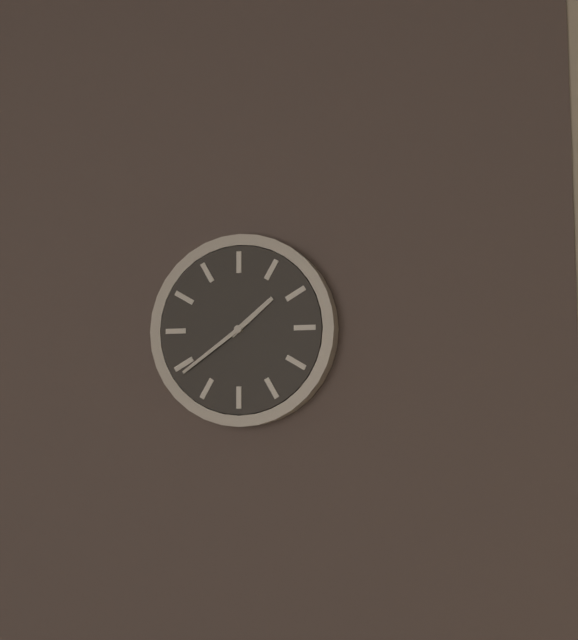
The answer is 1:39
